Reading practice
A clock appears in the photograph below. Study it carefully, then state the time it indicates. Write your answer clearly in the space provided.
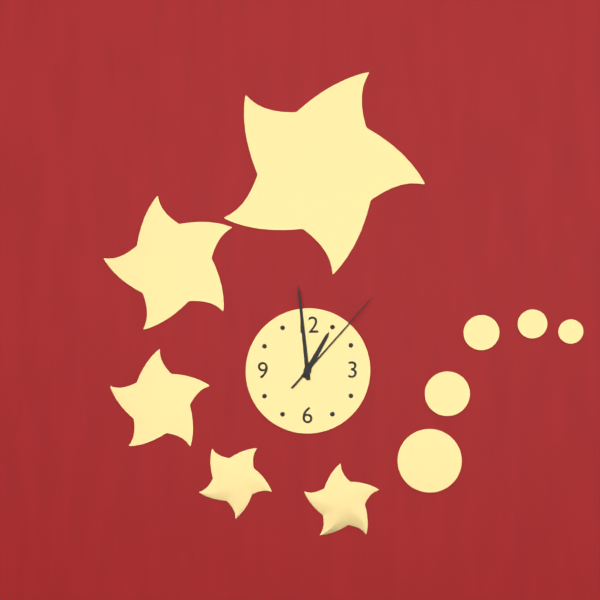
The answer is 12:59:07
